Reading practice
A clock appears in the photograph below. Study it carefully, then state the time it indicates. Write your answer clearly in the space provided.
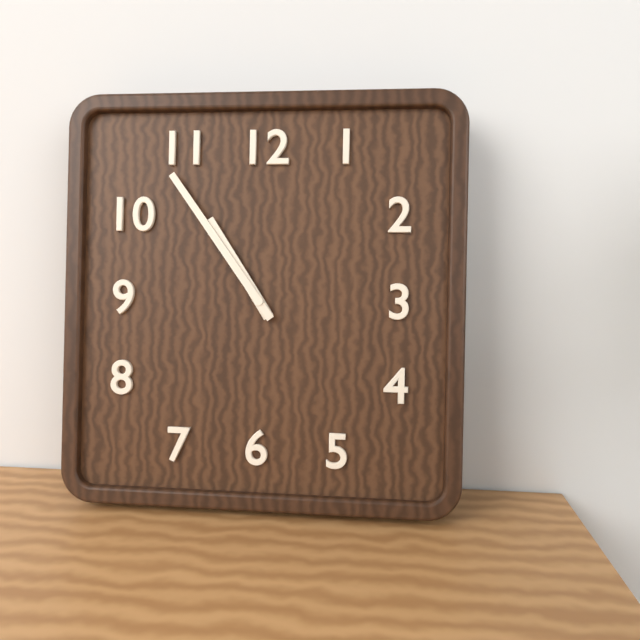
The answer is 10:54
